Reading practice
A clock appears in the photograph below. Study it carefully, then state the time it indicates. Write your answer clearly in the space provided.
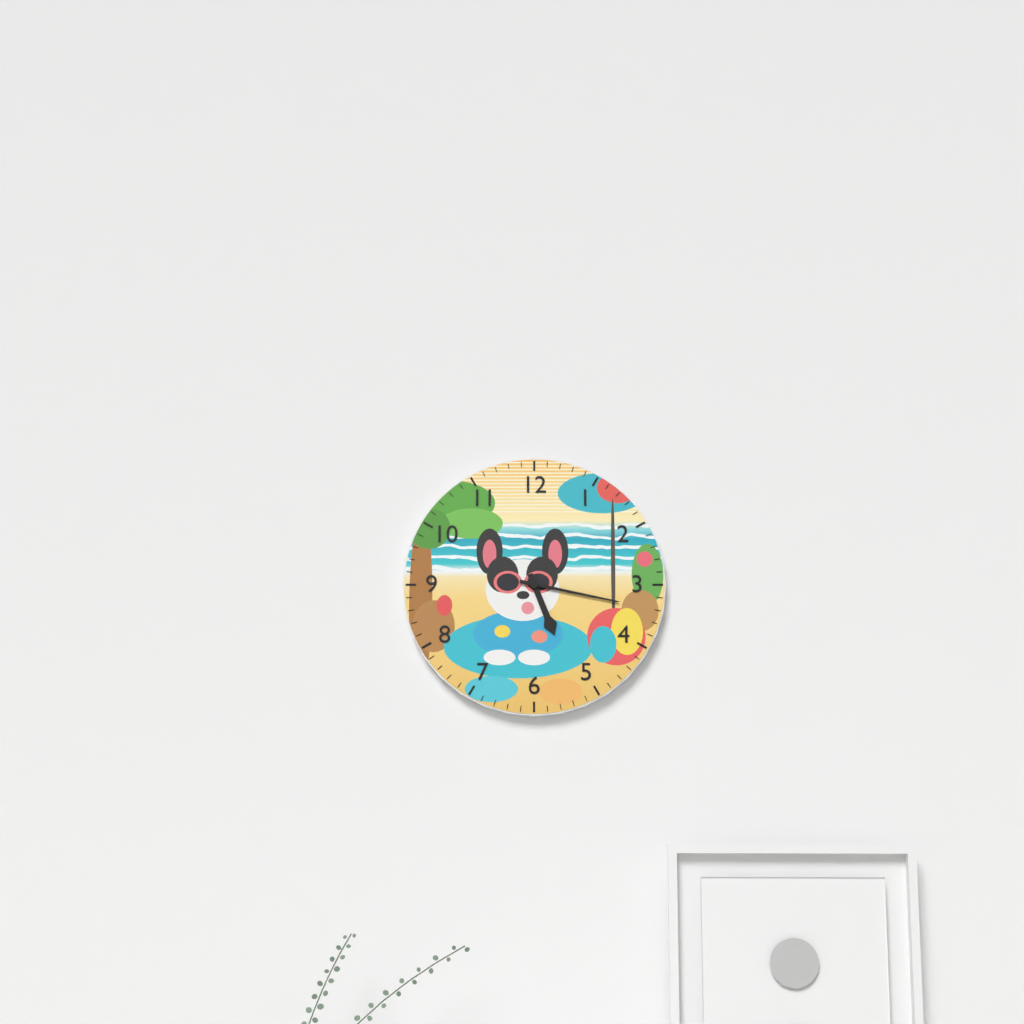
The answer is 5:17
